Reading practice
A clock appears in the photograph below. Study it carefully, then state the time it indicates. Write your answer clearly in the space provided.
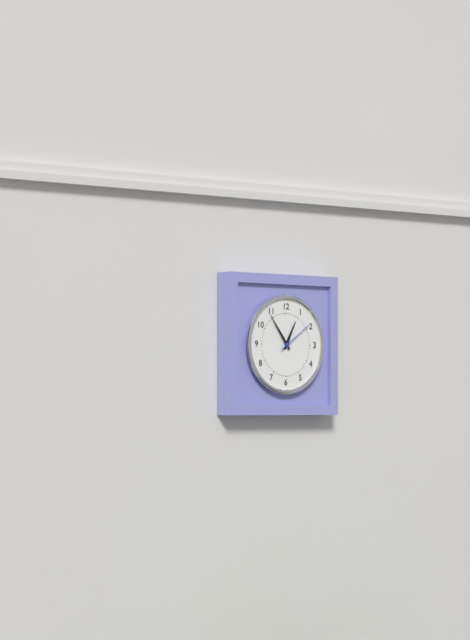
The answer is 12:54
